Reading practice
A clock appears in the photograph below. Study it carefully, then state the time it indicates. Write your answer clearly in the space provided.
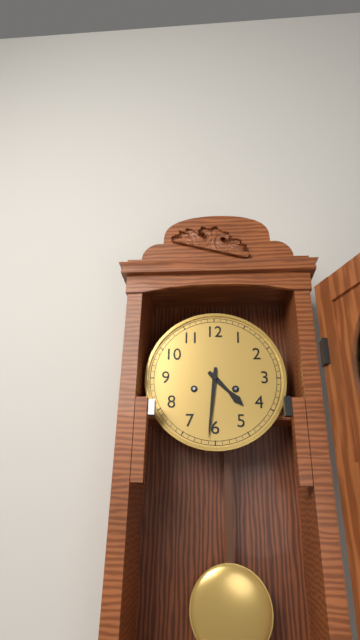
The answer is 4:31
